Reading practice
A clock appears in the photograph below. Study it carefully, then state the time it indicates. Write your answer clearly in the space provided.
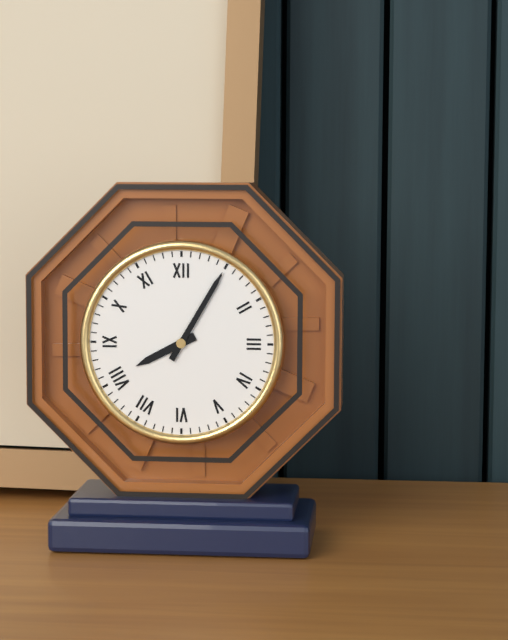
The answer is 8:05
